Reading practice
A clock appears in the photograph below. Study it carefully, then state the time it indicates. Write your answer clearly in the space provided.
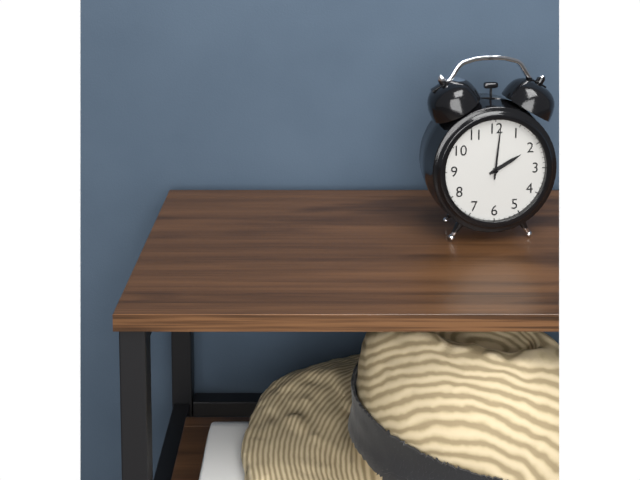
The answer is 2:01
